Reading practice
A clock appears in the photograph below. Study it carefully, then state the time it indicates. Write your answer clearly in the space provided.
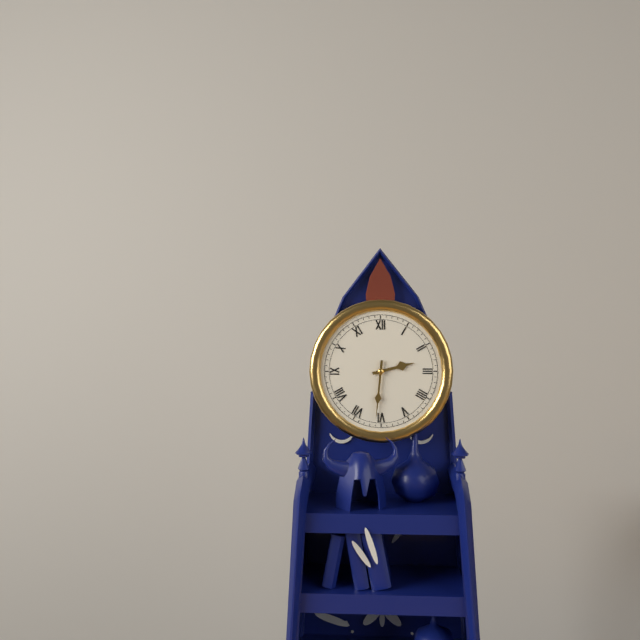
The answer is 2:31
